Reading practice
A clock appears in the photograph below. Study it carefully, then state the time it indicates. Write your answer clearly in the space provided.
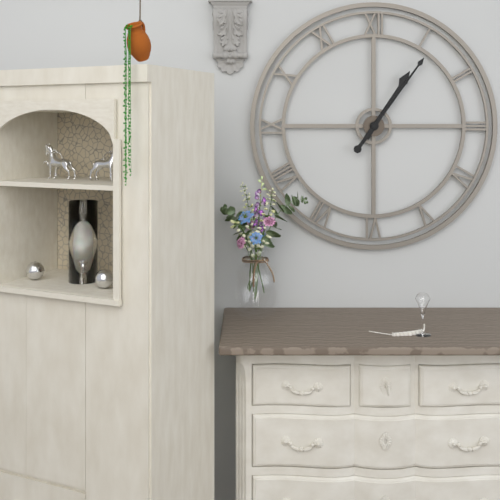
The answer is 1:06
